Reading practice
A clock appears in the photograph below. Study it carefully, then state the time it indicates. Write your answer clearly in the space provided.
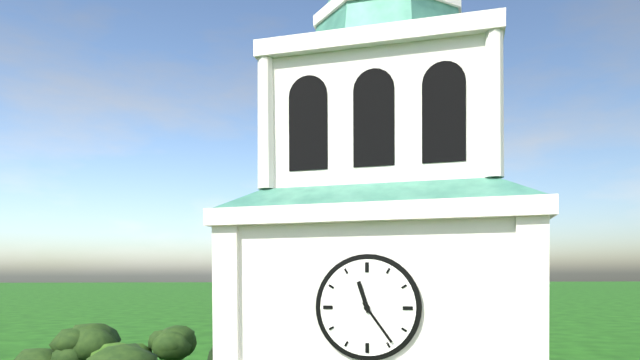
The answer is 11:24
